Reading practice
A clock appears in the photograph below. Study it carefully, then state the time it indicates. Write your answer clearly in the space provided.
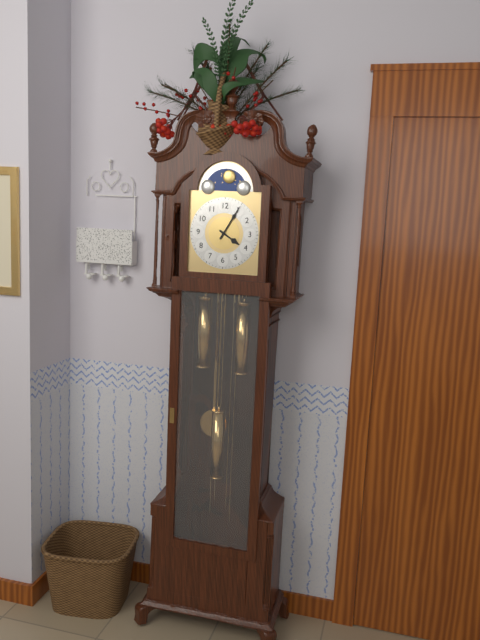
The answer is 4:05
